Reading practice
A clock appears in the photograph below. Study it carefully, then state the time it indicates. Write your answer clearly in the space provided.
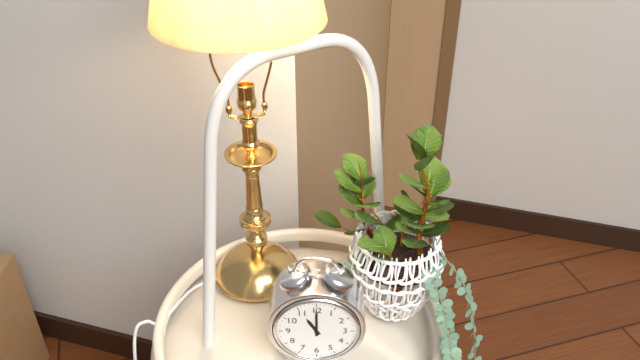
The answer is 11:00
